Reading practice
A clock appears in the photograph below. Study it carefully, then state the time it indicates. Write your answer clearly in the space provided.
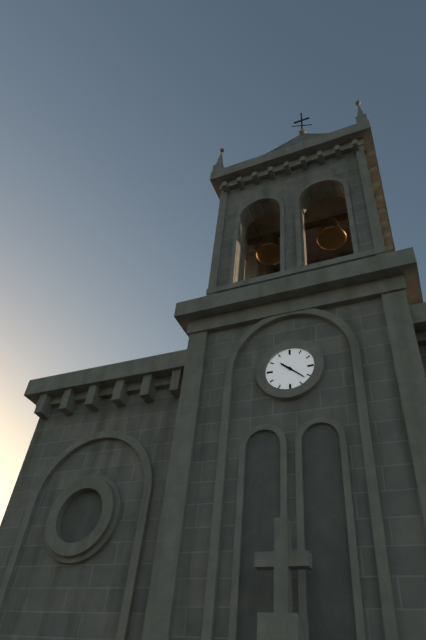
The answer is 10:22
